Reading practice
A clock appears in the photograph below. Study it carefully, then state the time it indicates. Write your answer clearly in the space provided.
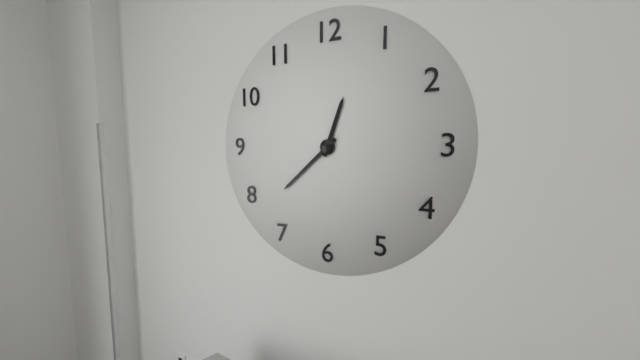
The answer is 12:38
